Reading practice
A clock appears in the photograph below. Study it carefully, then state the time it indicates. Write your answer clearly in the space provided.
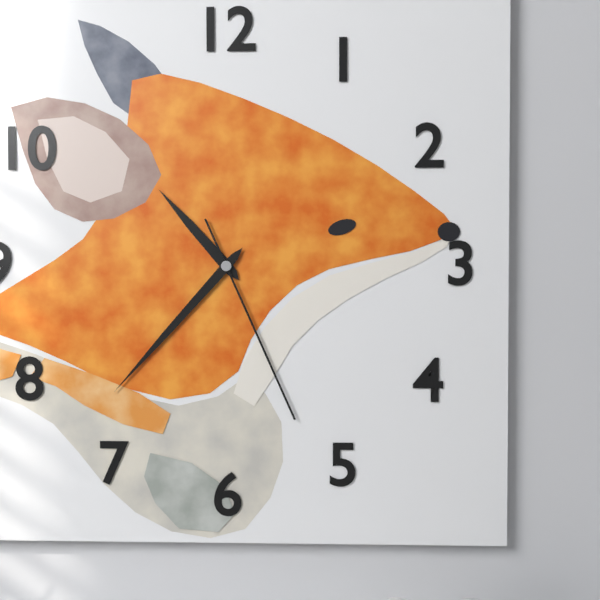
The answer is 10:37:26
